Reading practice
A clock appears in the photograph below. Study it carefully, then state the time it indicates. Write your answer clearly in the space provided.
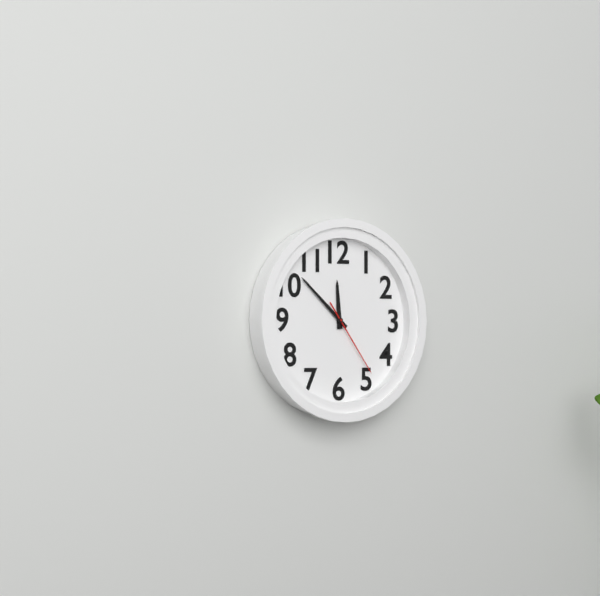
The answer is 11:52:24
